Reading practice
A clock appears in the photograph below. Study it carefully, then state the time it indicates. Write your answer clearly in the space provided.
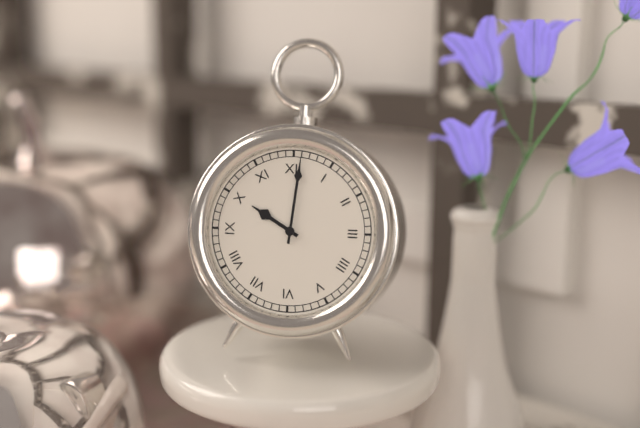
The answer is 10:01
